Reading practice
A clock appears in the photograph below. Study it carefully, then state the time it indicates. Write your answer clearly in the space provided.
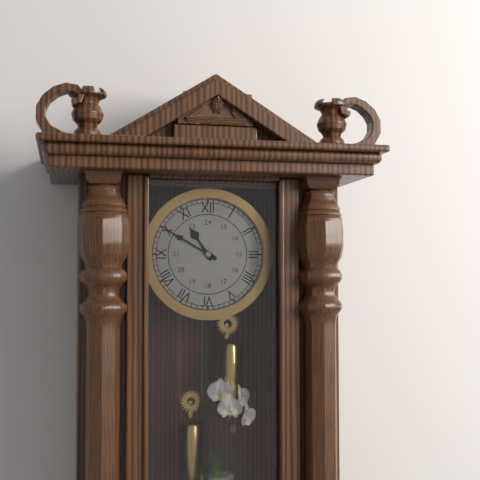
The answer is 10:50
